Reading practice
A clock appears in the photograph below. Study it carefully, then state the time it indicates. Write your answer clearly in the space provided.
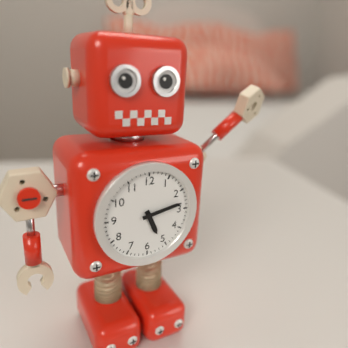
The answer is 5:13
